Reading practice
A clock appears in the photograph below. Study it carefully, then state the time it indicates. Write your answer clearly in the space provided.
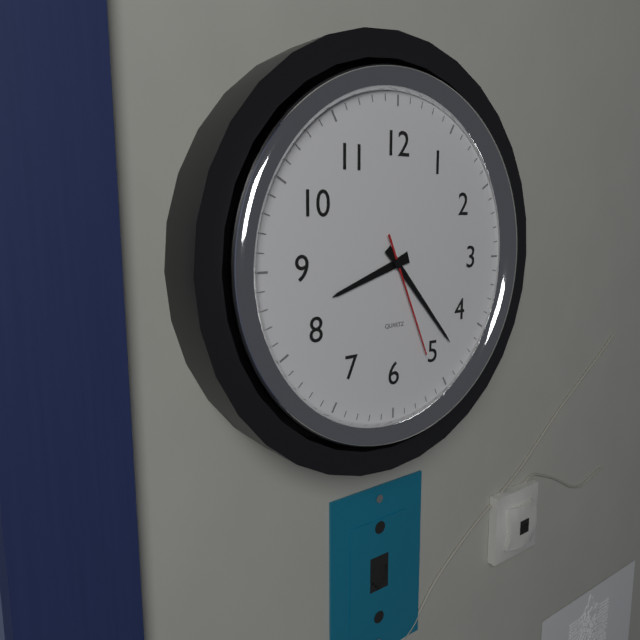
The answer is 8:23:26
